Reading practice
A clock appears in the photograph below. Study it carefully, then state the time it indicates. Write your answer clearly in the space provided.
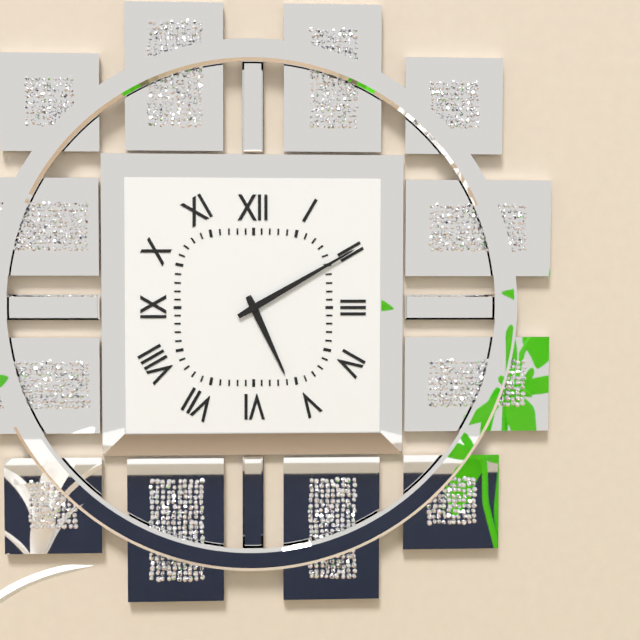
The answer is 5:10
